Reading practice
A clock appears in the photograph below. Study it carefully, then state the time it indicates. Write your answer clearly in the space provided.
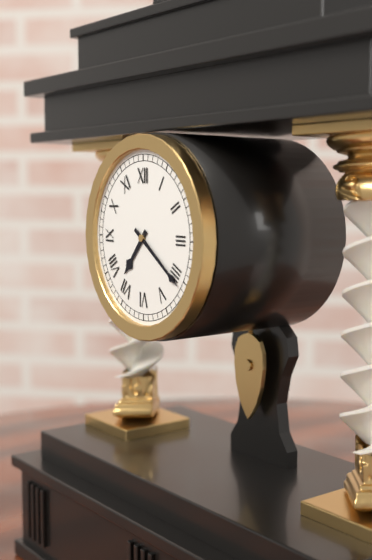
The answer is 7:21
